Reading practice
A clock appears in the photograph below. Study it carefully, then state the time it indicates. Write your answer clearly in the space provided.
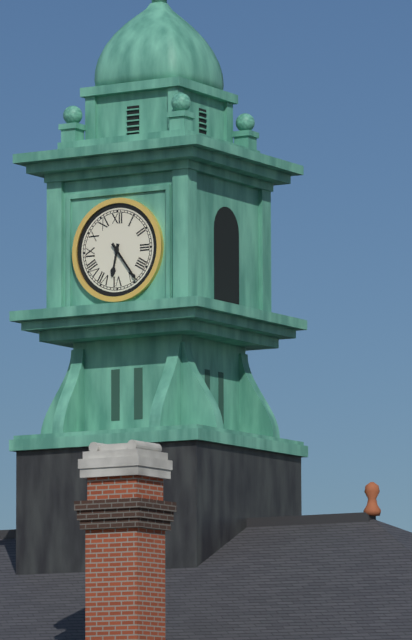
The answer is 6:24
